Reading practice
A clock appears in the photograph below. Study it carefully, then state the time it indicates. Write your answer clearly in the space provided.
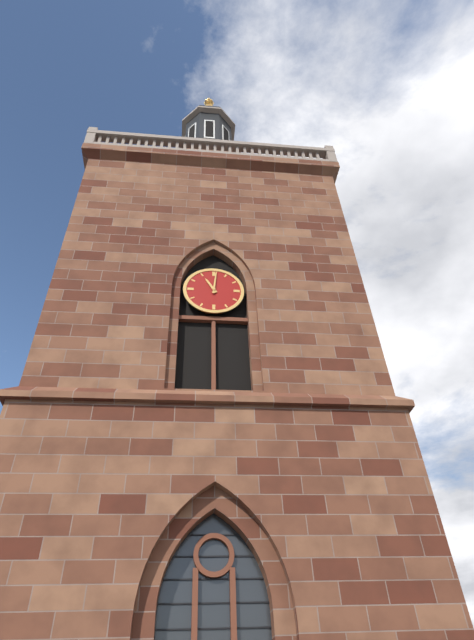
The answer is 11:01
